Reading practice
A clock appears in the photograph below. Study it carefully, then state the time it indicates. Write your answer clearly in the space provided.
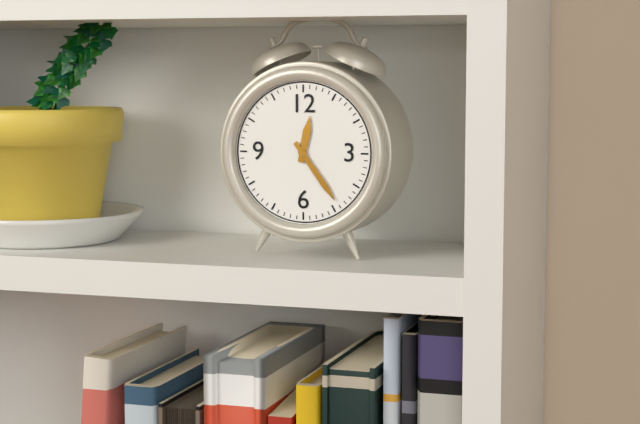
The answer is 12:24
